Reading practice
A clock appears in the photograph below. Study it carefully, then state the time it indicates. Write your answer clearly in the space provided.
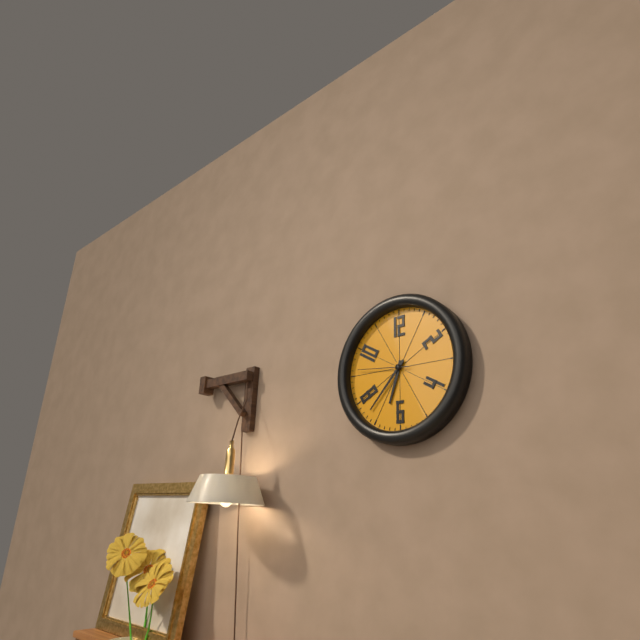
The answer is 6:37:46
